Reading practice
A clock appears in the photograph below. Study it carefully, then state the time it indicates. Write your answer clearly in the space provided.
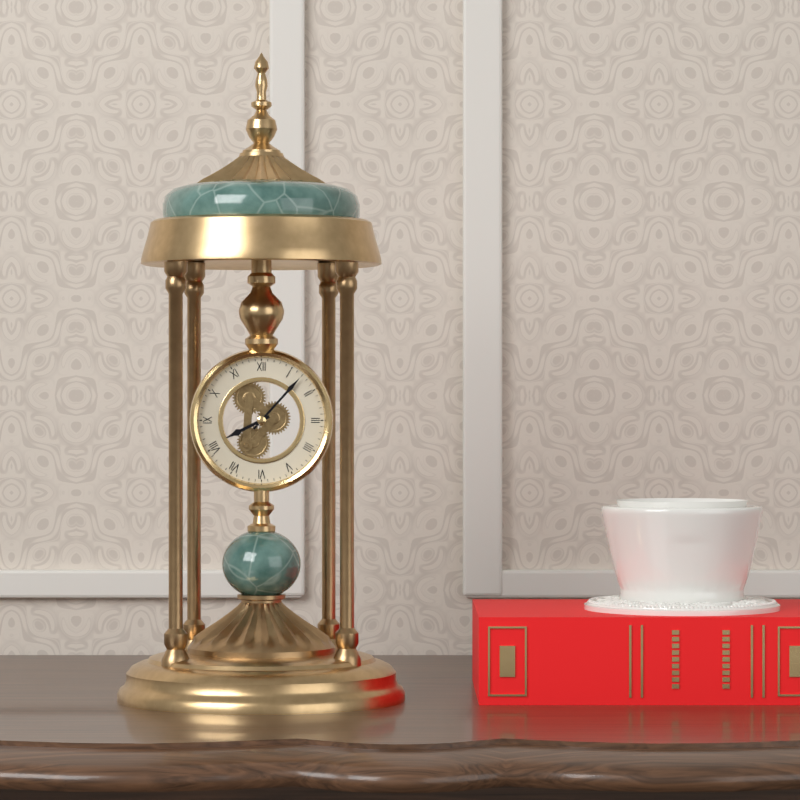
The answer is 8:07
